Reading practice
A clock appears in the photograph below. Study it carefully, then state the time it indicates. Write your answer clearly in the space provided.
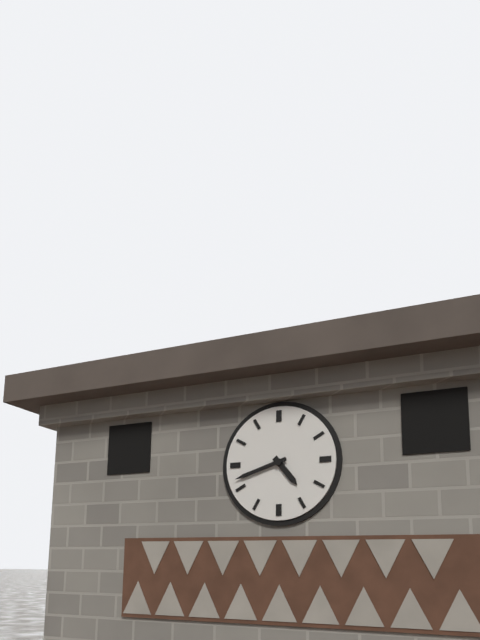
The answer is 4:42
